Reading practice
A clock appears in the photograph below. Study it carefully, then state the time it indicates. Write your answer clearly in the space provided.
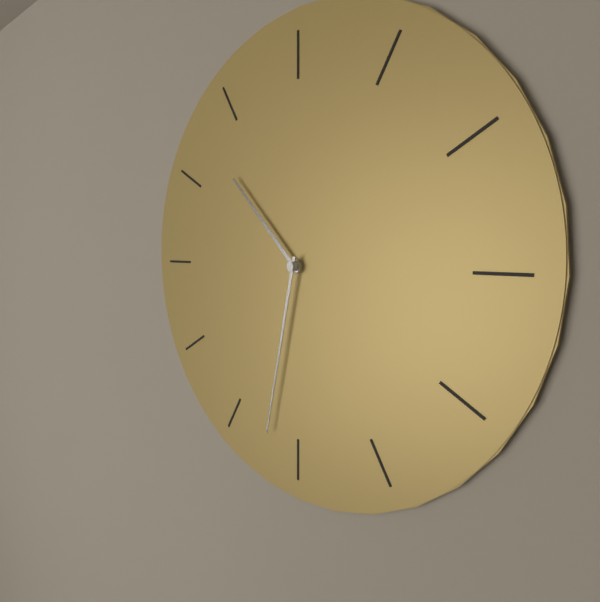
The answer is 10:32
